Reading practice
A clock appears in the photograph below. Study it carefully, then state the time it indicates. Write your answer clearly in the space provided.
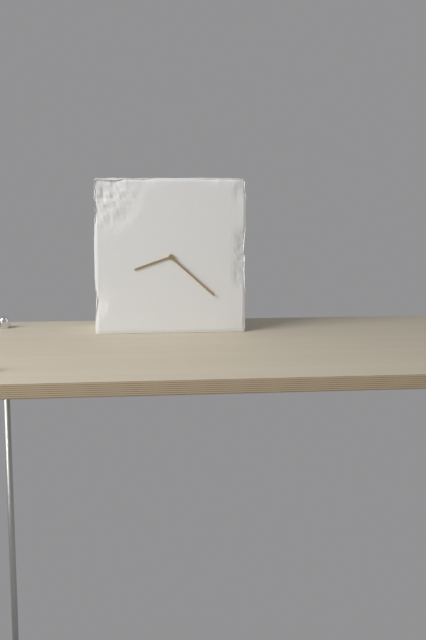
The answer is 8:22
